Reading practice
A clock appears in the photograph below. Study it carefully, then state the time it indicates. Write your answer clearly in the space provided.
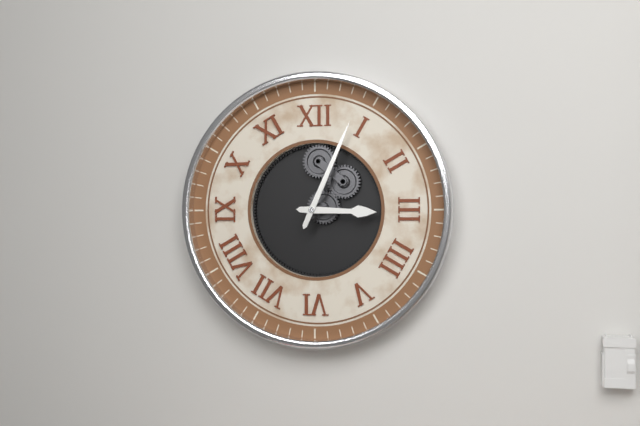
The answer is 3:04
